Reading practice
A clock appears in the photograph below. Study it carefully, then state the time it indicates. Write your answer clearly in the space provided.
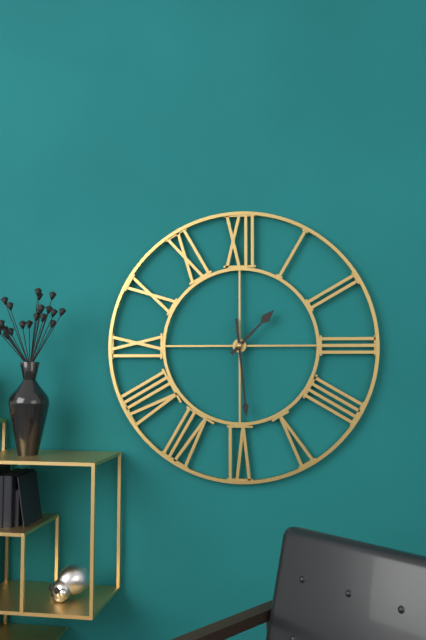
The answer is 1:29
